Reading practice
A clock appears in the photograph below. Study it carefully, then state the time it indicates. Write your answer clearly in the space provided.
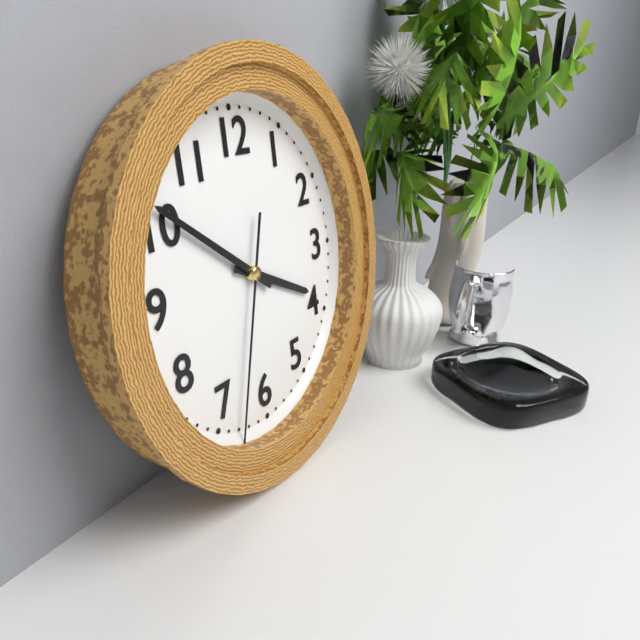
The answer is 3:51:33
